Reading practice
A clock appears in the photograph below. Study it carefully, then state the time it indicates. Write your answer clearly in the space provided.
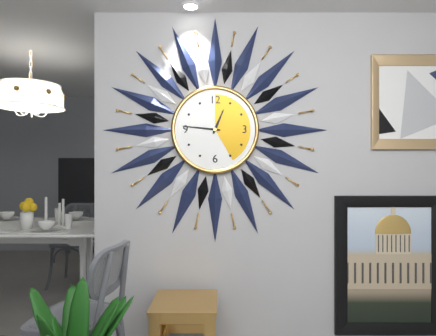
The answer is 12:46
